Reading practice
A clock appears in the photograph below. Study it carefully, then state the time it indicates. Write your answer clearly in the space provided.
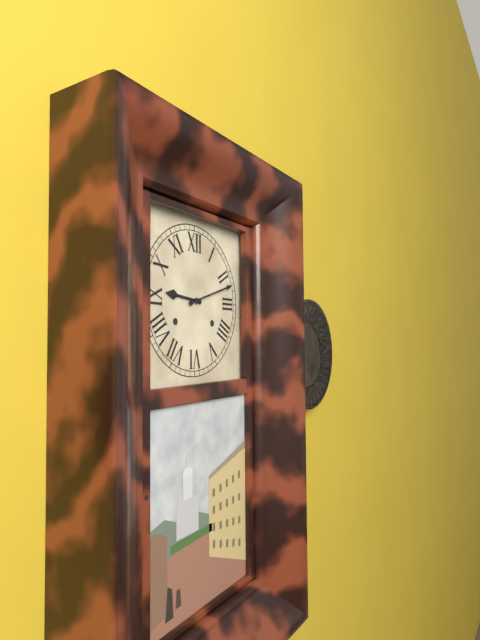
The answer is 9:12
